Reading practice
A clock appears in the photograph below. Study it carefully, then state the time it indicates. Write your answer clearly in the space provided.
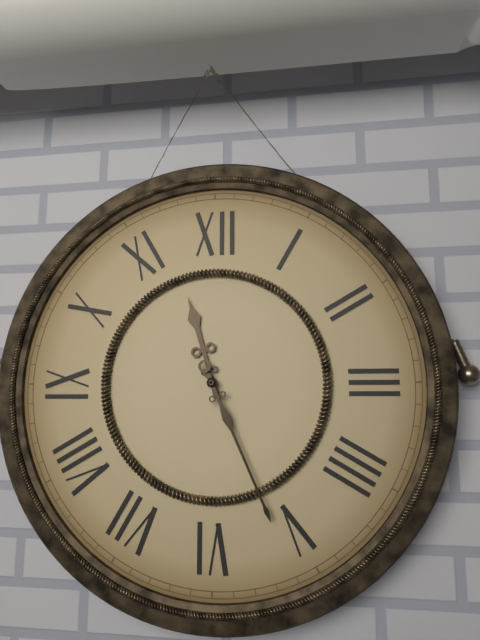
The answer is 11:26
